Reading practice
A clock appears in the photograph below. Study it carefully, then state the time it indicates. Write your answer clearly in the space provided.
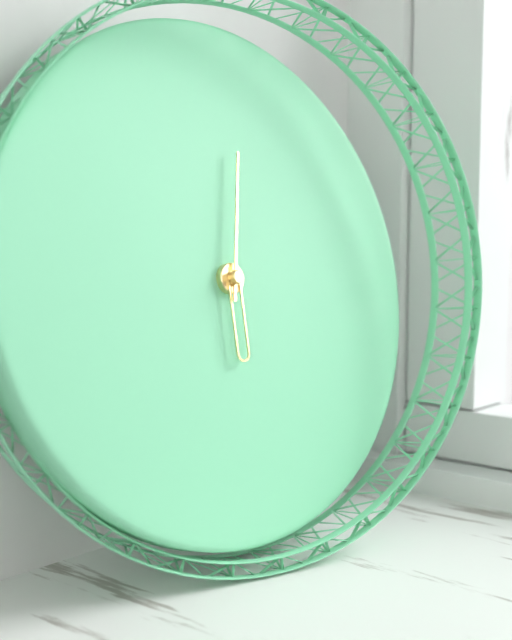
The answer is 6:02
